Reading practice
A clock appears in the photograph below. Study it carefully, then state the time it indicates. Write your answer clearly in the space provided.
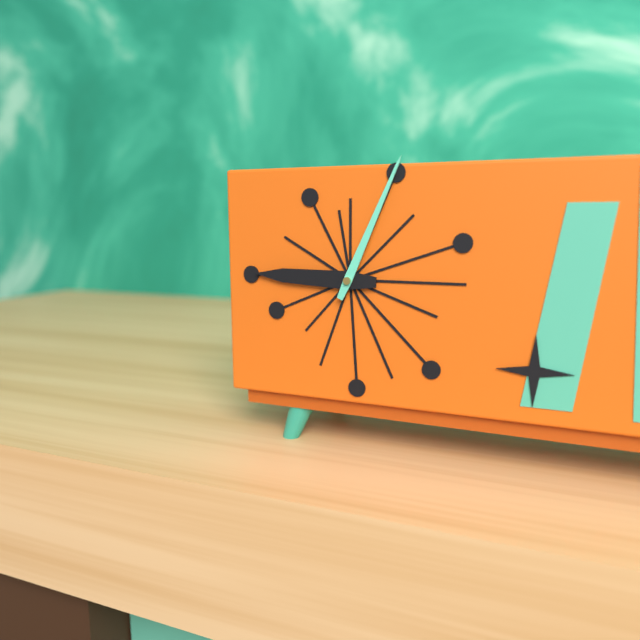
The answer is 9:04
